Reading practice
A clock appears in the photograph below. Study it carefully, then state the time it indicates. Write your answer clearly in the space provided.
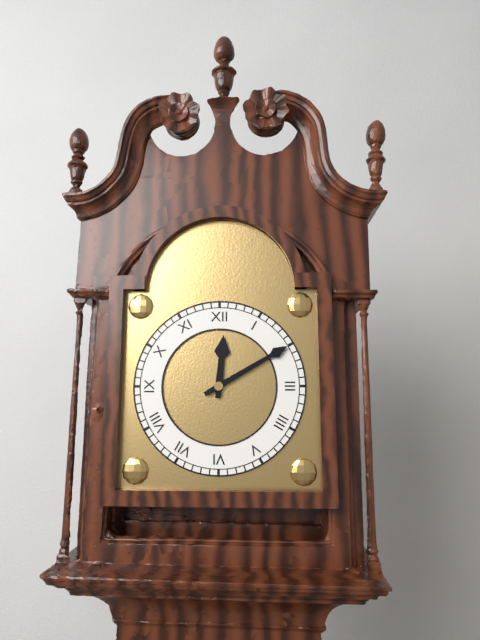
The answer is 12:10
